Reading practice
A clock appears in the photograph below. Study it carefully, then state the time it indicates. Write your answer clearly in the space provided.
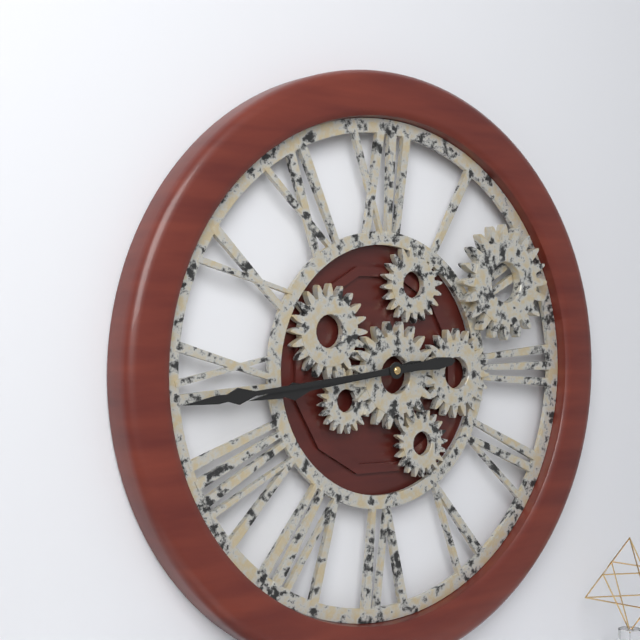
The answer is 8:44
